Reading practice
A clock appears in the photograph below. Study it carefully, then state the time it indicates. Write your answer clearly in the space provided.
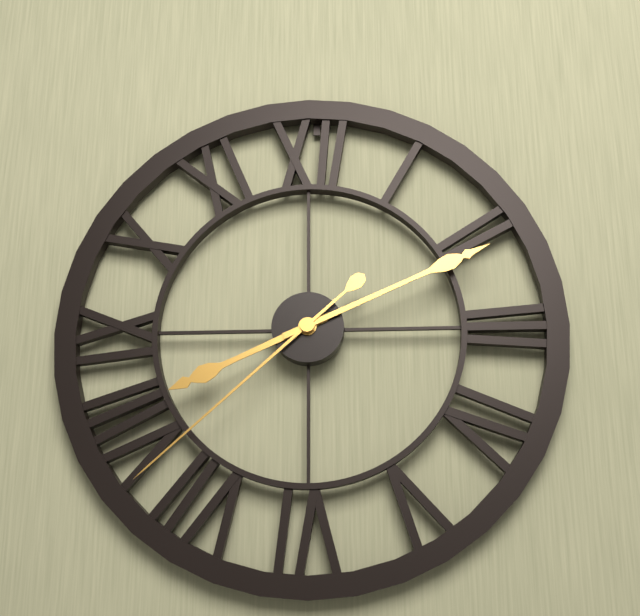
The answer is 8:11:38
